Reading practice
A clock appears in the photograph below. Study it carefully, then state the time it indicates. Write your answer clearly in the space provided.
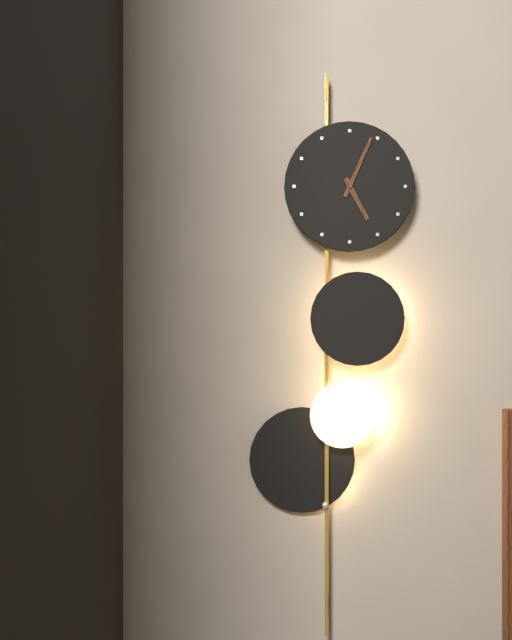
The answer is 5:04
